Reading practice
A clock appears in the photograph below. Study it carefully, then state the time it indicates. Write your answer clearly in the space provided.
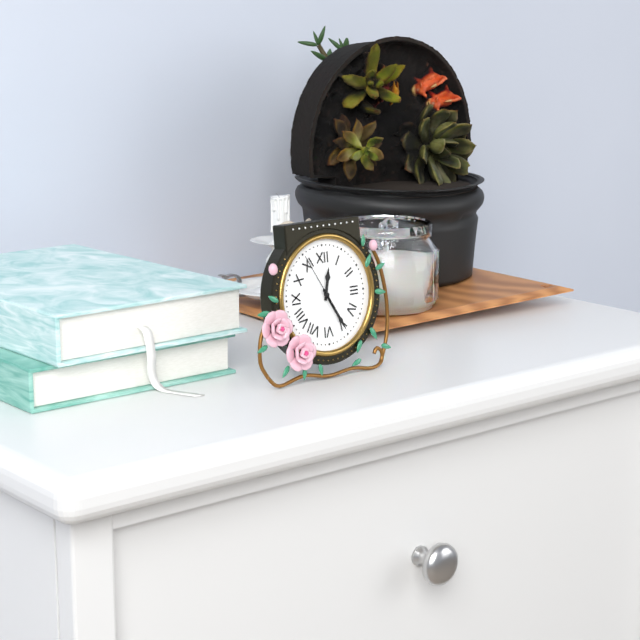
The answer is 12:25:55
